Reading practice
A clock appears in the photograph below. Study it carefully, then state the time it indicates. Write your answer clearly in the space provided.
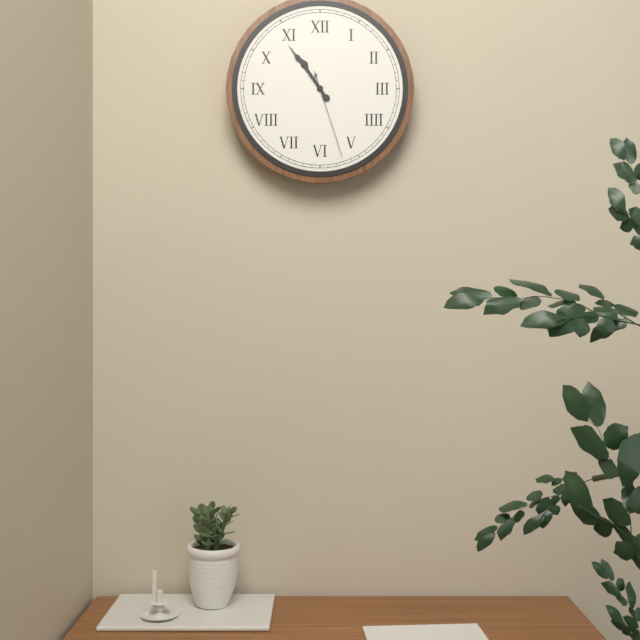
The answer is 10:54:27
